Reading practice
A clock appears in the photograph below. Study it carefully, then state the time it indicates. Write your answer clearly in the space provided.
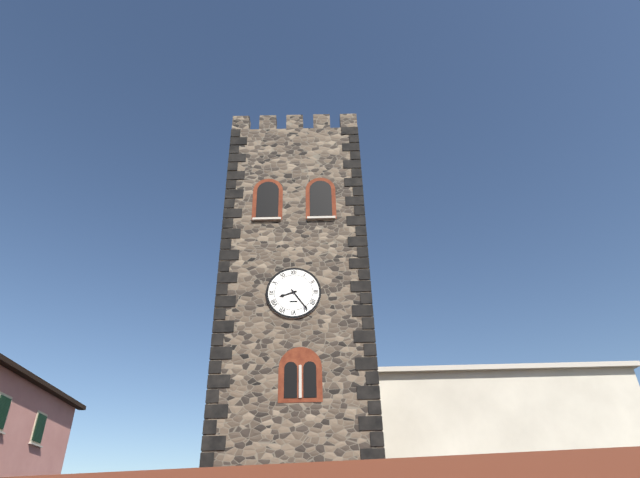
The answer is 8:24
